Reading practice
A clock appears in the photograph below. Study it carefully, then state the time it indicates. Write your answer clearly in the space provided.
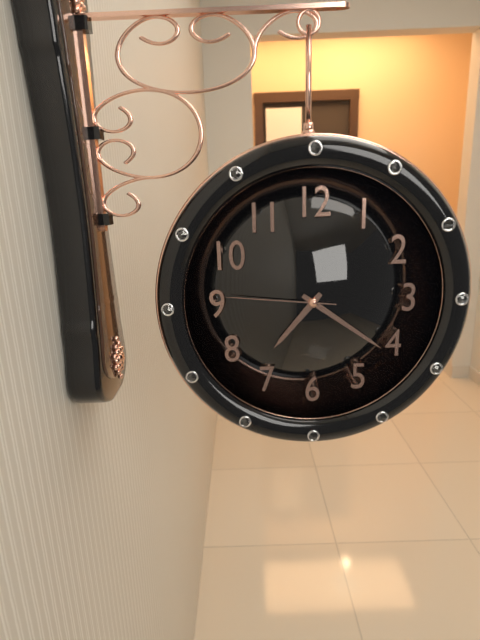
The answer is 7:21:46
